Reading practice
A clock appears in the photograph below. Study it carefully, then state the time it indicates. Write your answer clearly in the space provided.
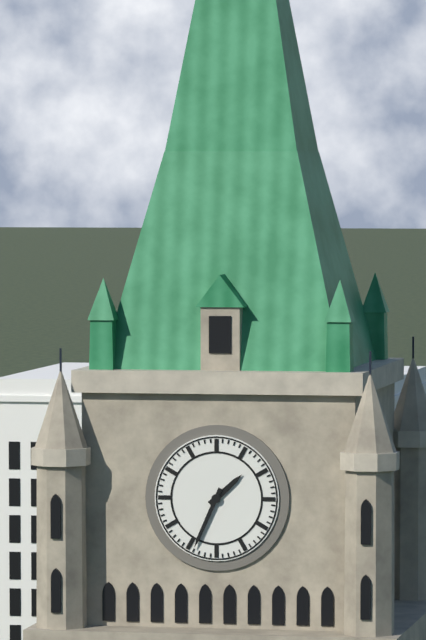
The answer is 1:34
